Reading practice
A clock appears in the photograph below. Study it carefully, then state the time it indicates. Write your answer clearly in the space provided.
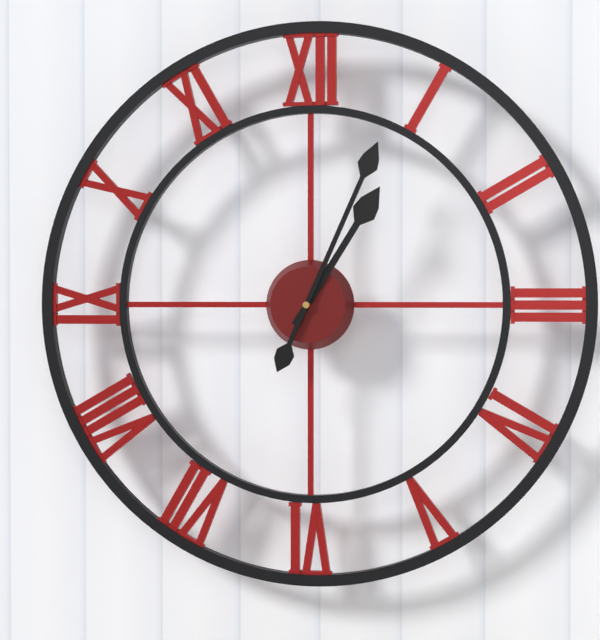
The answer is 1:04
